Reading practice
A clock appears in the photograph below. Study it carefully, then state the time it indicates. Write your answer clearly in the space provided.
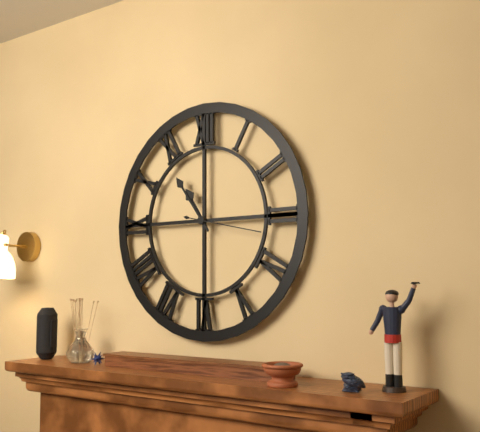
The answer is 10:54:17
